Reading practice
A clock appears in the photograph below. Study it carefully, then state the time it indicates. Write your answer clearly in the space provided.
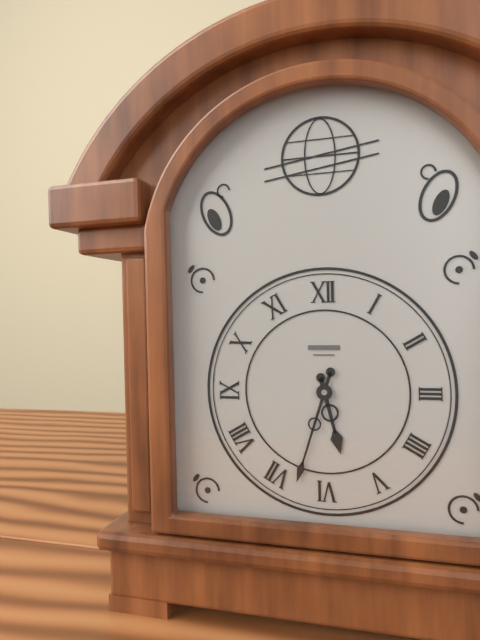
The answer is 5:33
